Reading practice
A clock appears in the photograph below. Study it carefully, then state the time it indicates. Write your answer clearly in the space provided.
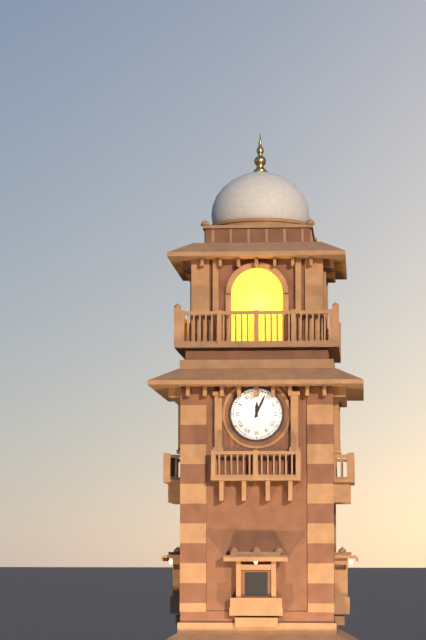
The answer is 12:04
